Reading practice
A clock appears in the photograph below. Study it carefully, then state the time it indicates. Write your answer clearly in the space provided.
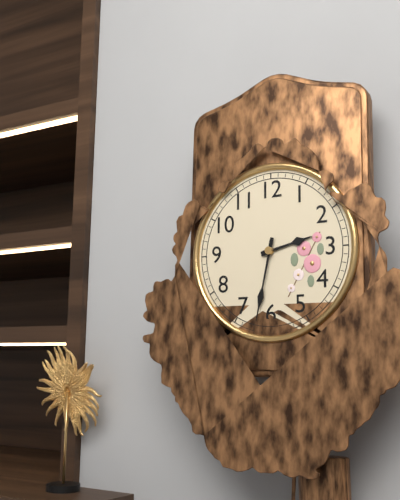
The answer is 2:32
